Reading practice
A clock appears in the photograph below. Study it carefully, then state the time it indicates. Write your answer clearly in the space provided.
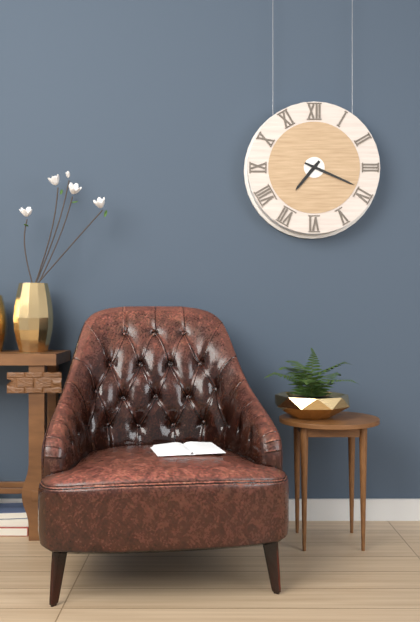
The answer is 7:19
